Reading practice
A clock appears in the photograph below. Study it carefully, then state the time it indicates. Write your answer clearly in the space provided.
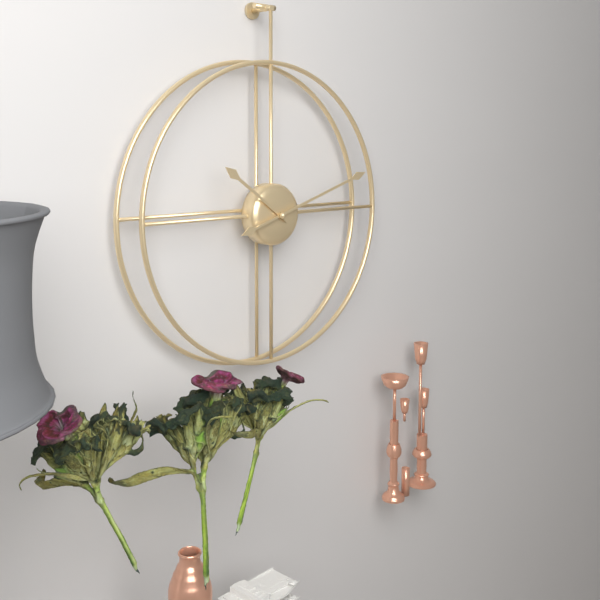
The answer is 10:12
